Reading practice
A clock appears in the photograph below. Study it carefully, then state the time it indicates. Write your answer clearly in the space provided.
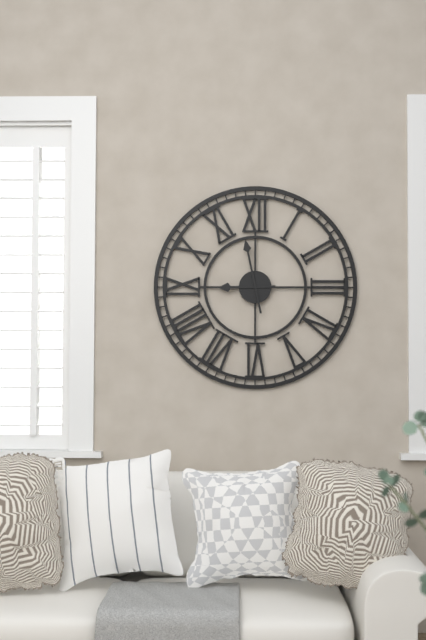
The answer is 8:58
